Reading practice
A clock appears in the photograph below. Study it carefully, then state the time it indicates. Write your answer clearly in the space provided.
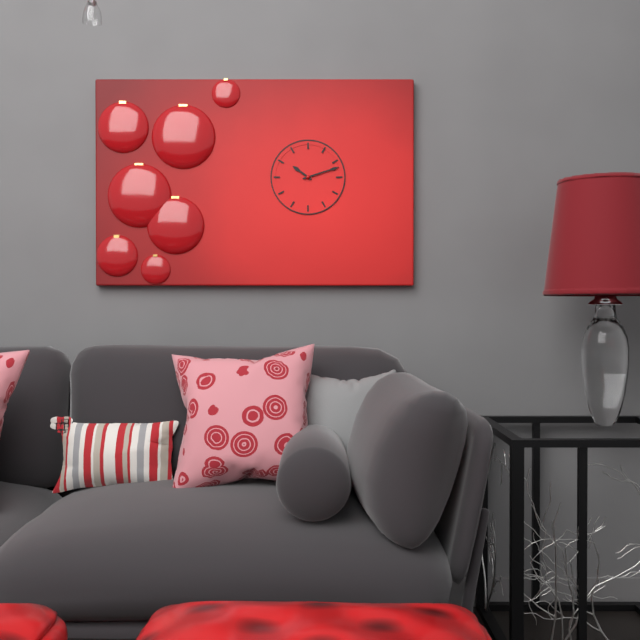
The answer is 10:12
